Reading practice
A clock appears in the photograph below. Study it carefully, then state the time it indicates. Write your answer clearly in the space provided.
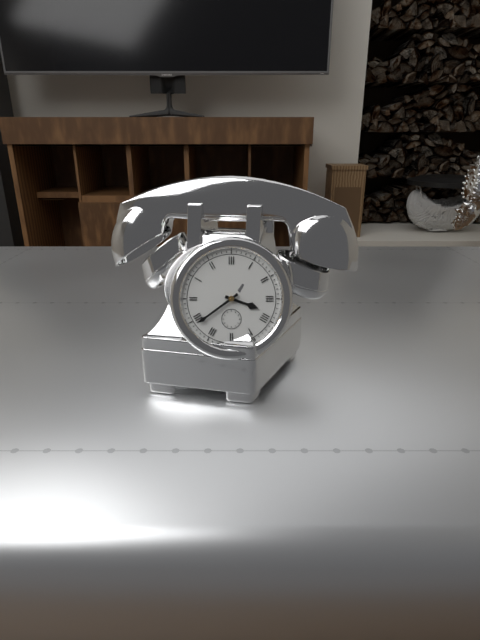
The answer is 3:39
